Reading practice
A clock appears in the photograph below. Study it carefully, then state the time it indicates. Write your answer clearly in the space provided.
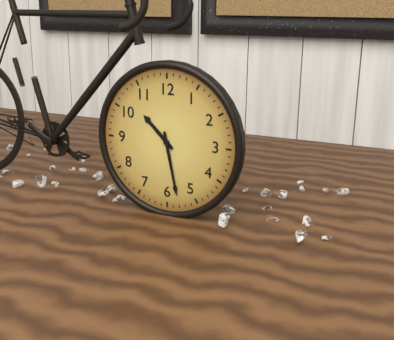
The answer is 10:28
